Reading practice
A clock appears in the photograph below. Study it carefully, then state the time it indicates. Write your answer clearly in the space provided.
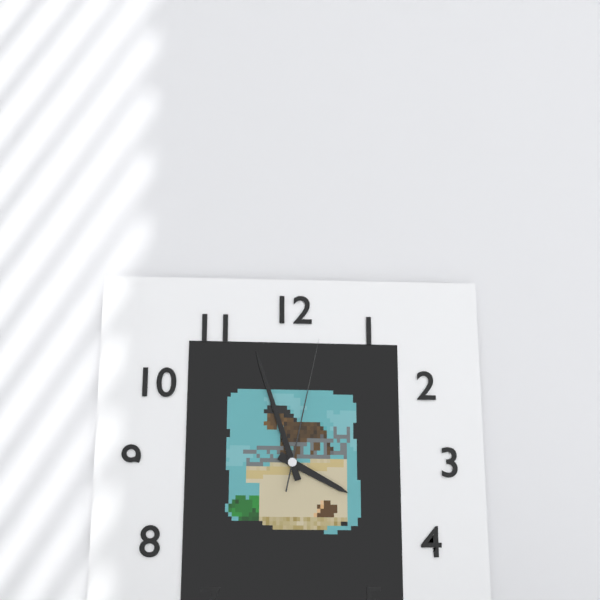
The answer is 3:57:02
